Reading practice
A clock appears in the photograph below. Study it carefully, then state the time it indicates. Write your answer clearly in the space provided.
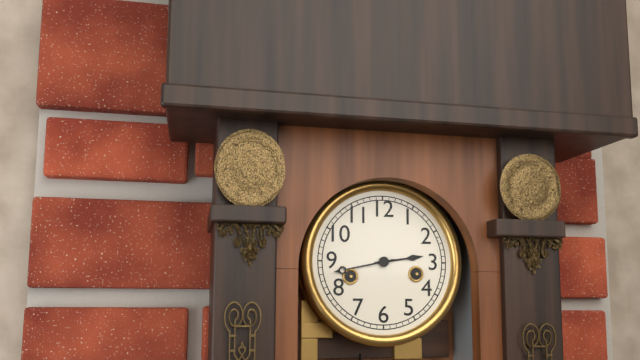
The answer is 2:43
